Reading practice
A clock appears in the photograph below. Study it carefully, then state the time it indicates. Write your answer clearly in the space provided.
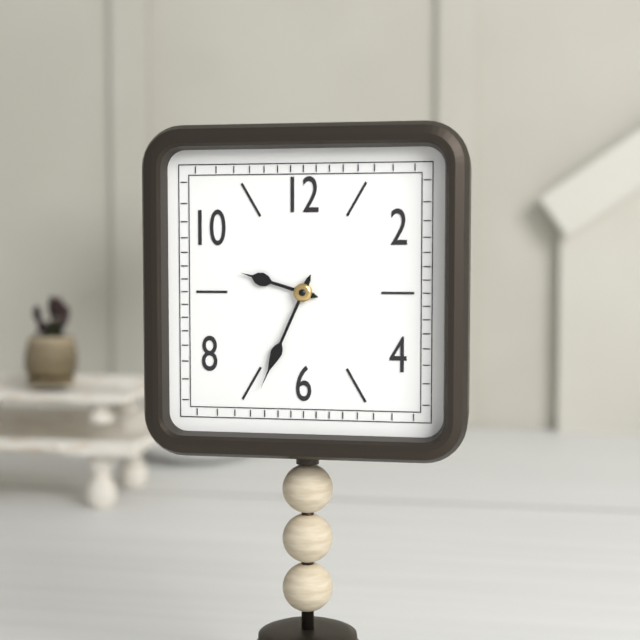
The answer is 9:34
